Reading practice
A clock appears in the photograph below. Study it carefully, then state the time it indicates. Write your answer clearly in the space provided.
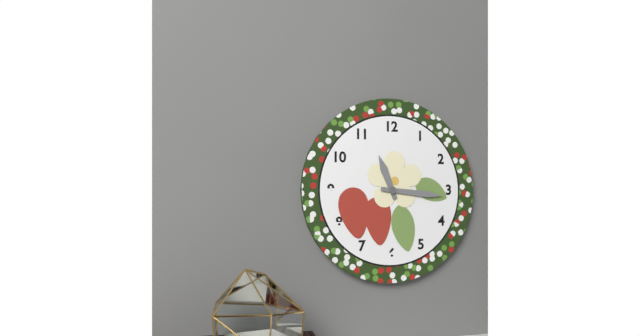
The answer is 11:16
